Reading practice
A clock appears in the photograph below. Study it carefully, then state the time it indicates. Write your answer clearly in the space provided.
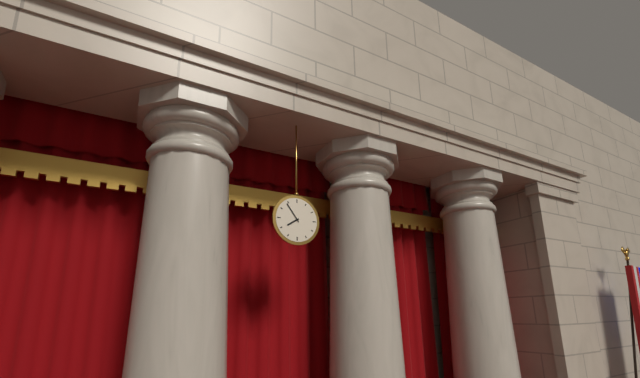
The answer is 7:54
